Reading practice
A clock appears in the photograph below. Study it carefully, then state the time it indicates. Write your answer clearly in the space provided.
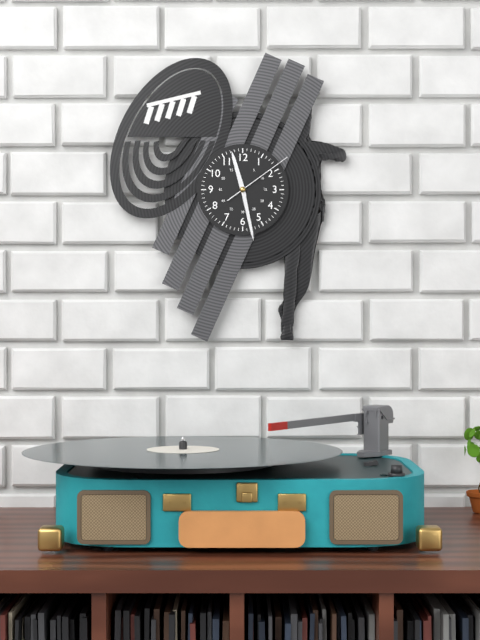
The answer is 11:28:09
